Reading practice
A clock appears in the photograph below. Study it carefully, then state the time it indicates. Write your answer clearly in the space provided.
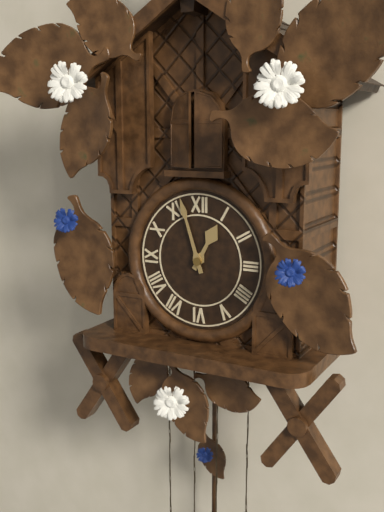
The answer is 12:57
